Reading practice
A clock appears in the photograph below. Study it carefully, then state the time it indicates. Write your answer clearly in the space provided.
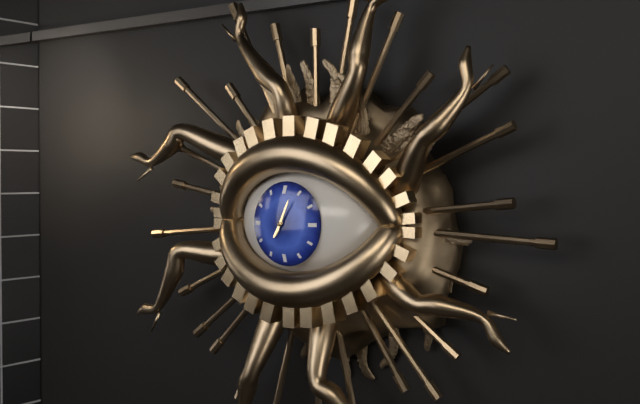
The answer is 7:04
